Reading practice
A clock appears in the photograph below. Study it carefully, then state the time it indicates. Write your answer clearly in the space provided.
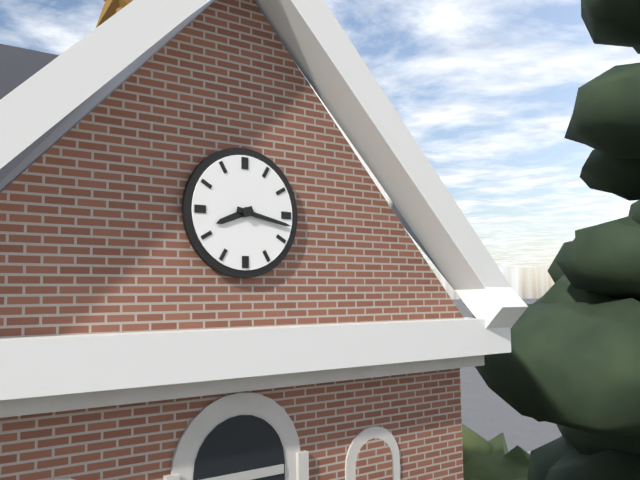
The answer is 8:17
